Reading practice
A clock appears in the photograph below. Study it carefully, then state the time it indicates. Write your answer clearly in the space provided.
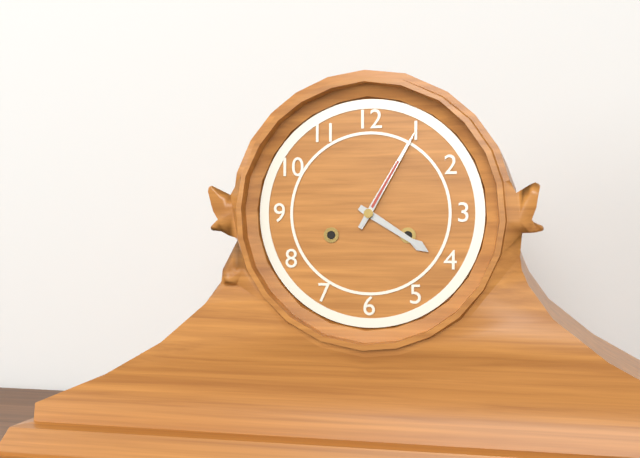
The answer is 4:05
